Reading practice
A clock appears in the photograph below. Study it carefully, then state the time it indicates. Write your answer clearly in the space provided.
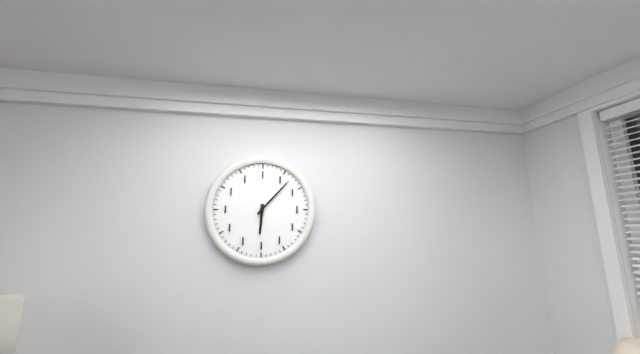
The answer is 6:07
